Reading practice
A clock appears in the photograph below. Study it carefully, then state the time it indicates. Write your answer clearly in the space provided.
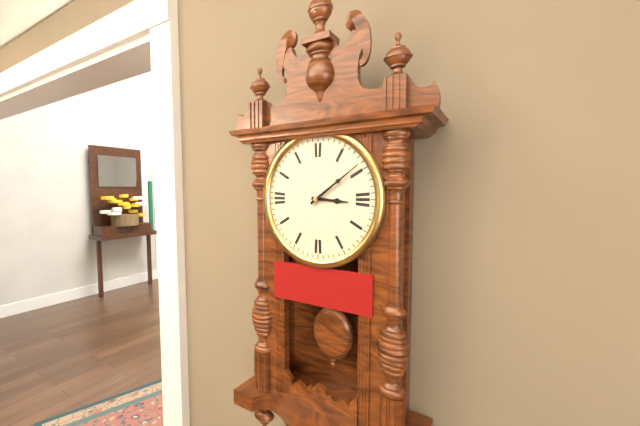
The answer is 3:09
